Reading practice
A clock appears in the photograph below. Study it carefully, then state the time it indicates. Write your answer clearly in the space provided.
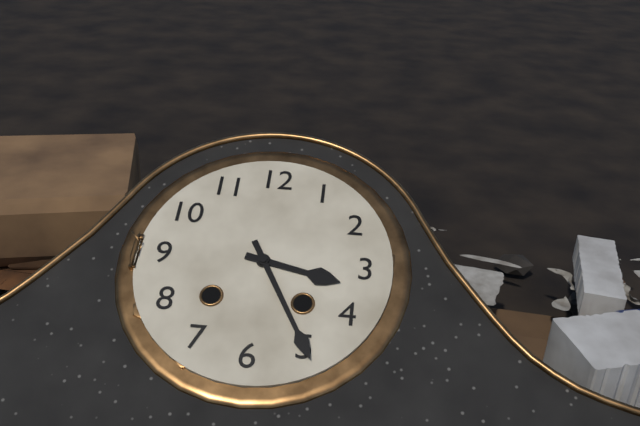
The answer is 3:25
